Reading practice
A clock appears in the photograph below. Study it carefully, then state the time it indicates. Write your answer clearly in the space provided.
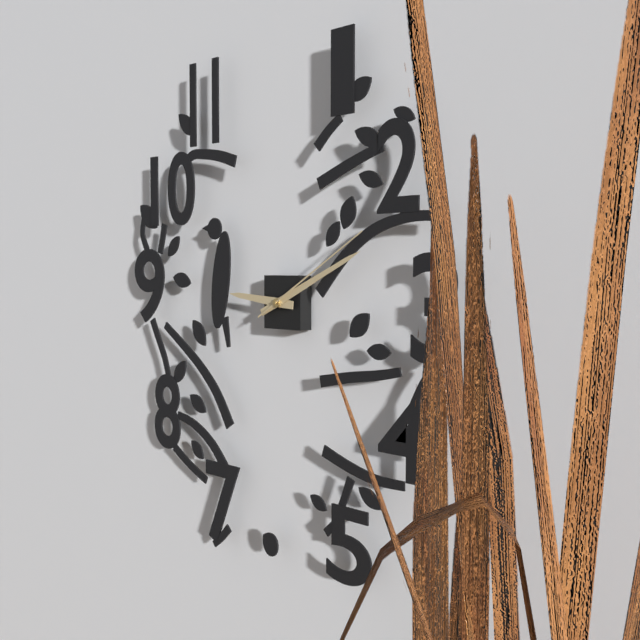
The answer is 9:11:10
